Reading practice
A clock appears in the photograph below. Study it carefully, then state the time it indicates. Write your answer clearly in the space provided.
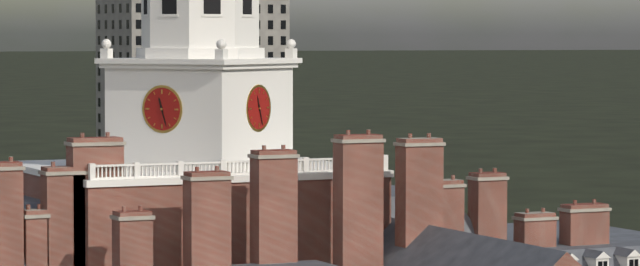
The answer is 11:27
